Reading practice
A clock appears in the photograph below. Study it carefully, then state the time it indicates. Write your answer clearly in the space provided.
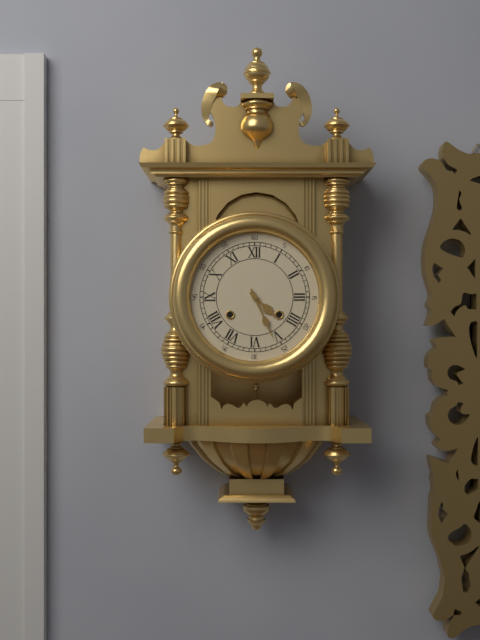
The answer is 4:26
